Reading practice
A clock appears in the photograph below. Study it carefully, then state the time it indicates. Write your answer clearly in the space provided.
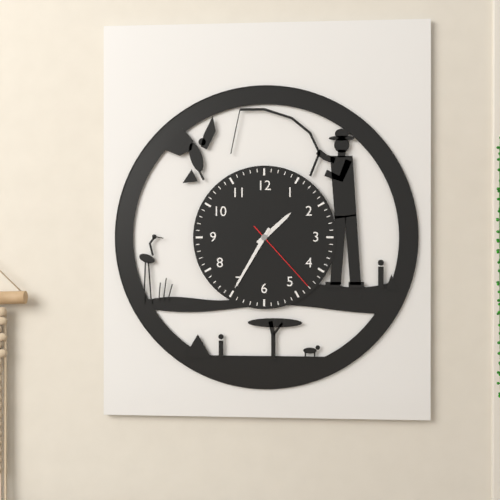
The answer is 1:35:23
